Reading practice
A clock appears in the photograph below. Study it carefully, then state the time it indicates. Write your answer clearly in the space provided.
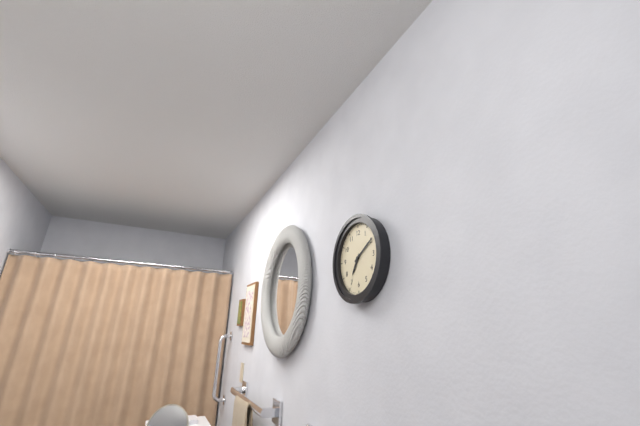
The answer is 7:10
